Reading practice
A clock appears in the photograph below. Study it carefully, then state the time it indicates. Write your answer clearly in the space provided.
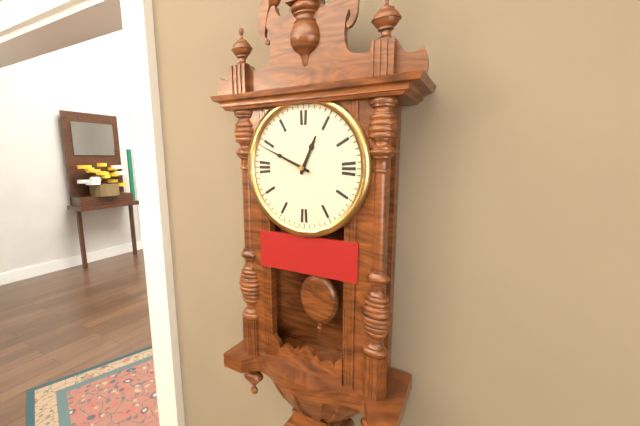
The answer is 12:49
